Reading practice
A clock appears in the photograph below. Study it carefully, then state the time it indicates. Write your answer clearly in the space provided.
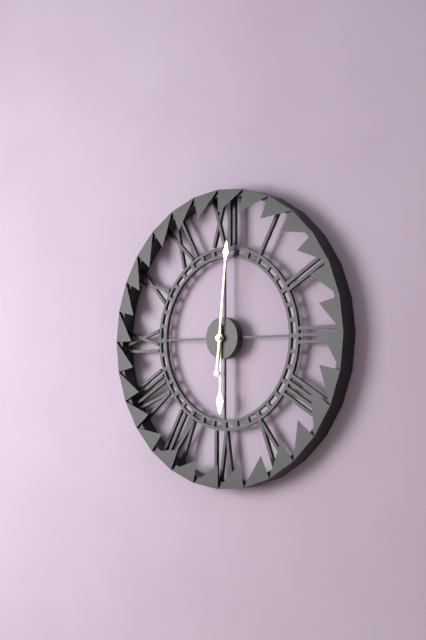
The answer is 6:01
